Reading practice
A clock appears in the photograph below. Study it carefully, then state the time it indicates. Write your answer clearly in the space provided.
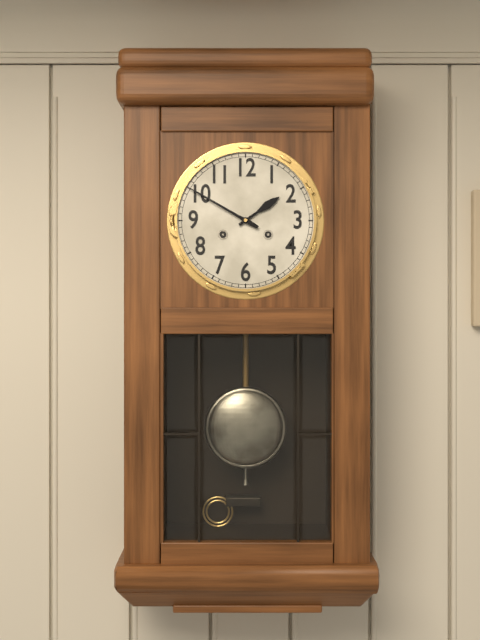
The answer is 1:50
